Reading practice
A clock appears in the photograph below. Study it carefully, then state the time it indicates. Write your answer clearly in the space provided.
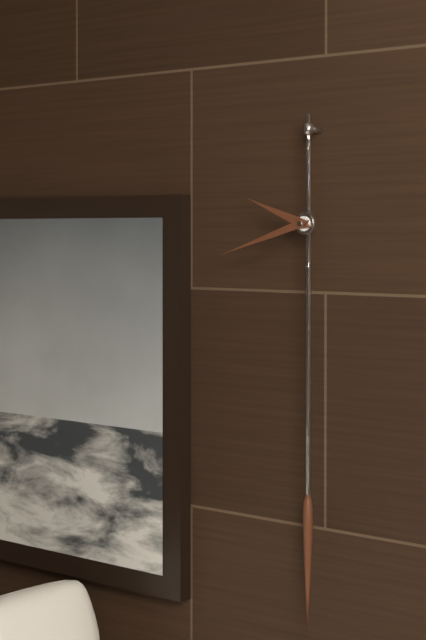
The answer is 9:42
